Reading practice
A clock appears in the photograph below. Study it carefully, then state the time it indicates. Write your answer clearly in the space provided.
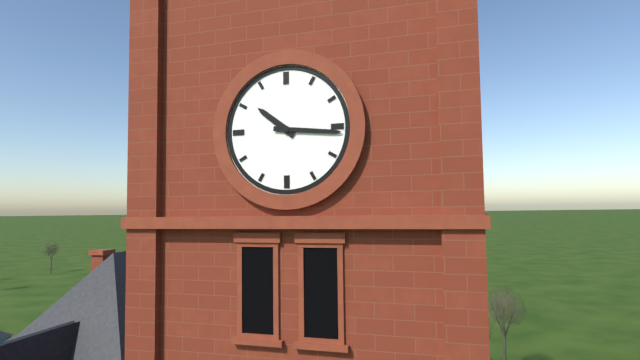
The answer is 10:16
